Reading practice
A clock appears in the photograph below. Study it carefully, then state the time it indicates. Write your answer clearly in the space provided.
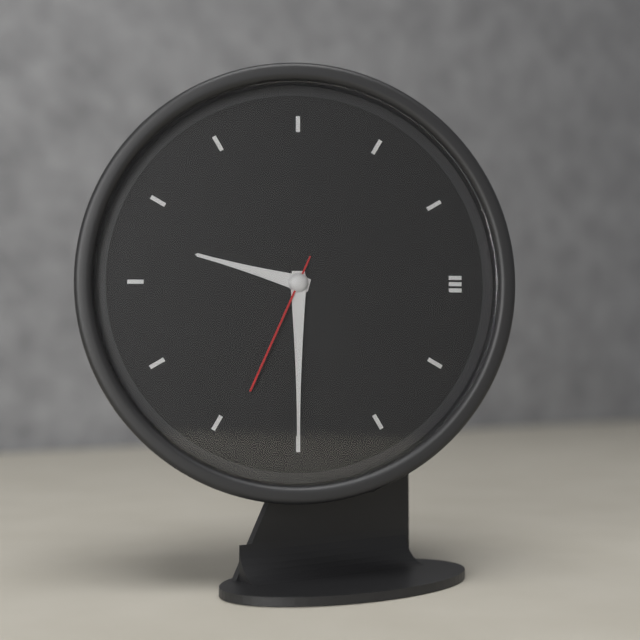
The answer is 9:30:34
